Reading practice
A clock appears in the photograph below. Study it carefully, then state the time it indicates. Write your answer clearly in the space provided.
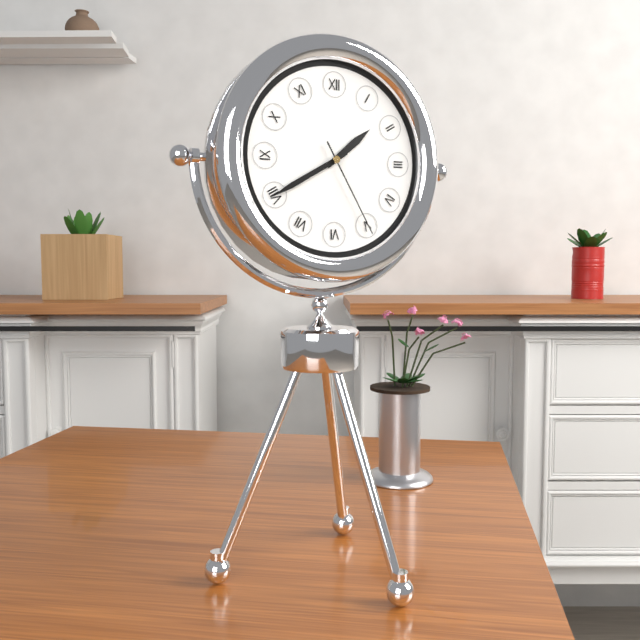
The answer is 1:40:25
